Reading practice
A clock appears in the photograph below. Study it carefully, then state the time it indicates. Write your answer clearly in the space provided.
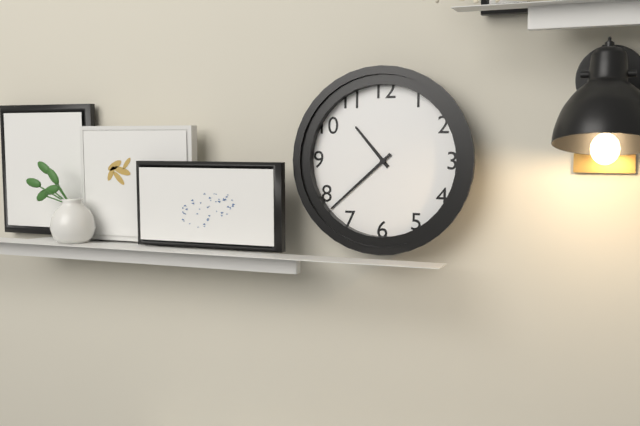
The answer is 10:38
